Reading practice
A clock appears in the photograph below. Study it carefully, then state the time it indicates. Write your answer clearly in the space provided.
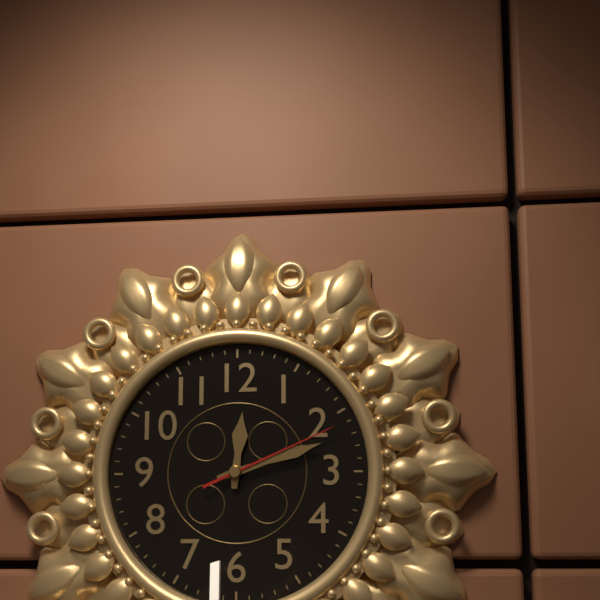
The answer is 12:12:11
